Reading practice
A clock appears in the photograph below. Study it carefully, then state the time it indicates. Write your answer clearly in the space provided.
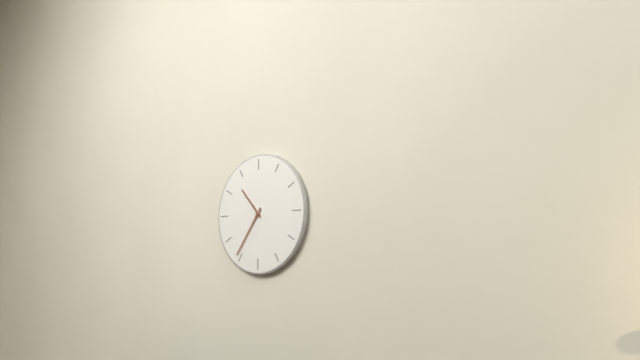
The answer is 10:36
